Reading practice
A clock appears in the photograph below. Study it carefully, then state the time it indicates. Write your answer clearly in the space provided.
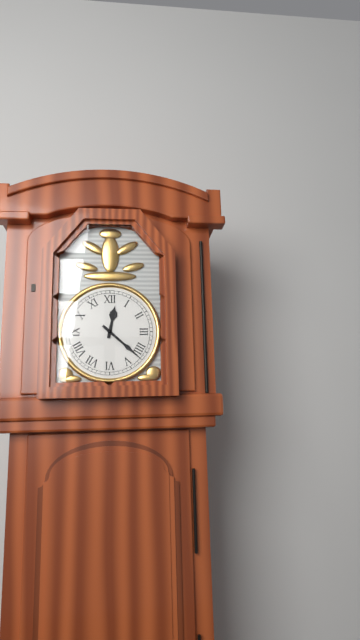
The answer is 12:22
